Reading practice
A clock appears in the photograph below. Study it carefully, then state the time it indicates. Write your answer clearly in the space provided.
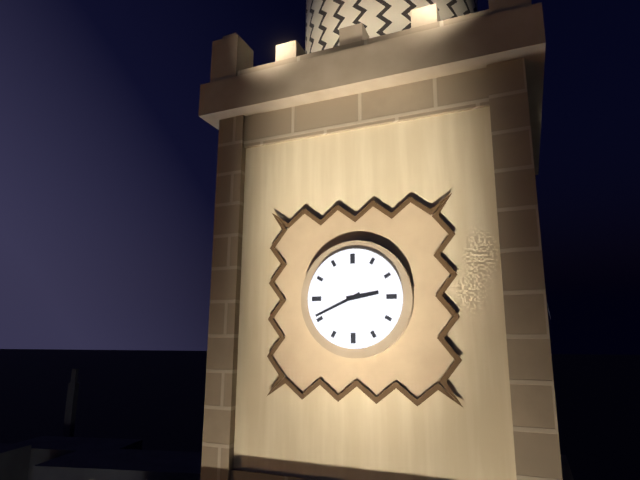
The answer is 2:41
